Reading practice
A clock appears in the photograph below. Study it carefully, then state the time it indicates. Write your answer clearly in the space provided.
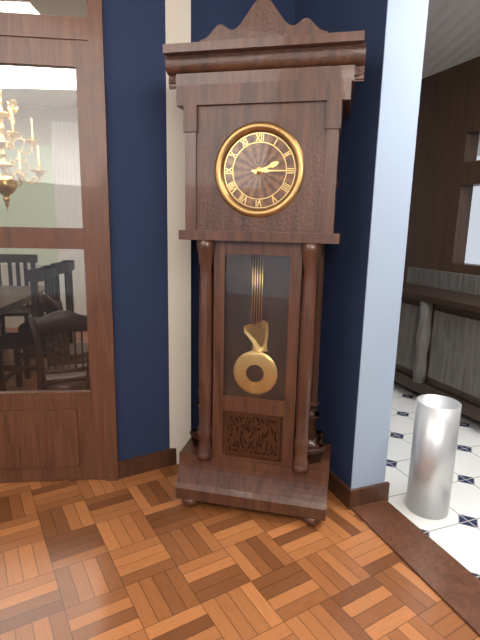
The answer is 2:15
